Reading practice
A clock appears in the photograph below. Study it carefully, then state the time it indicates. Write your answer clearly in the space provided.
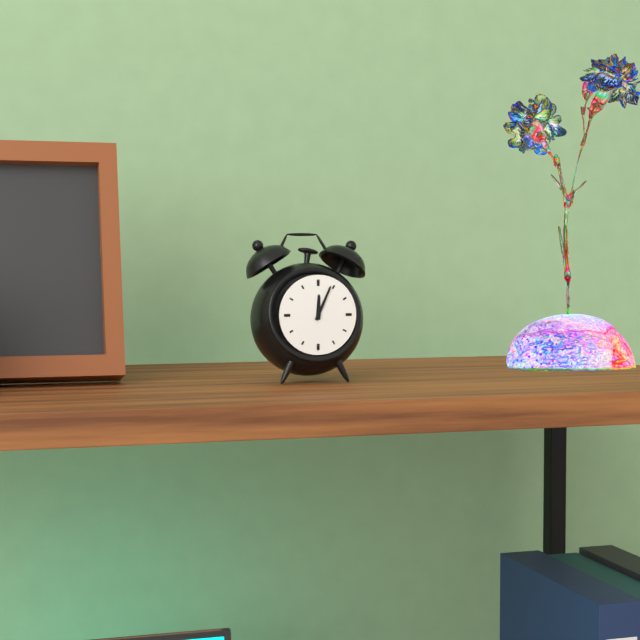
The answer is 12:04
